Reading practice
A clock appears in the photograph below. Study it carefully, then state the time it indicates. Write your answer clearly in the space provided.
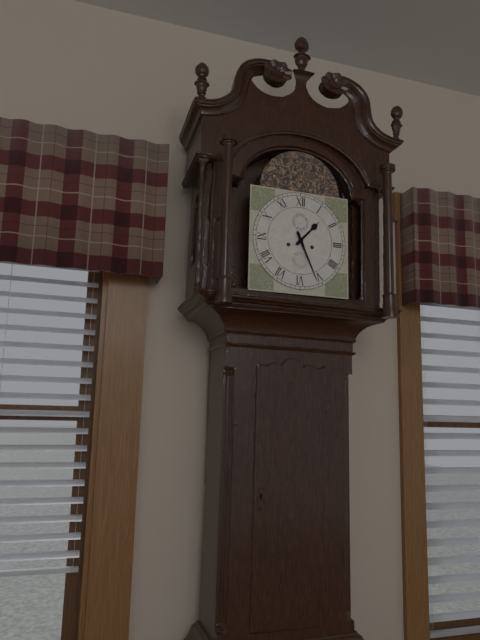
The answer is 1:26
